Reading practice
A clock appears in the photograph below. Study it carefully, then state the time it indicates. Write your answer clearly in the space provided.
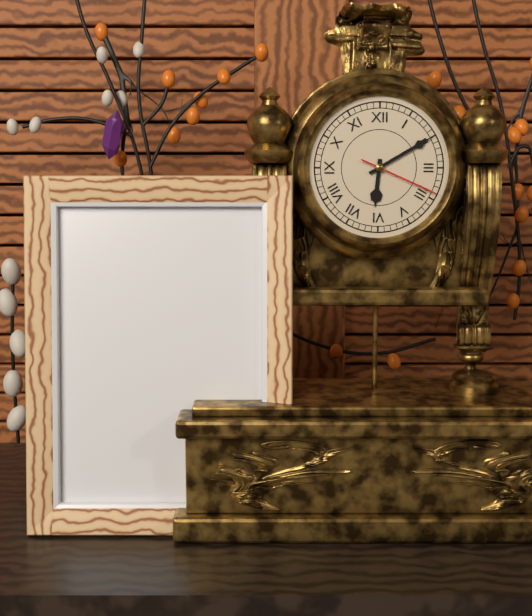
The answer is 6:10:19
